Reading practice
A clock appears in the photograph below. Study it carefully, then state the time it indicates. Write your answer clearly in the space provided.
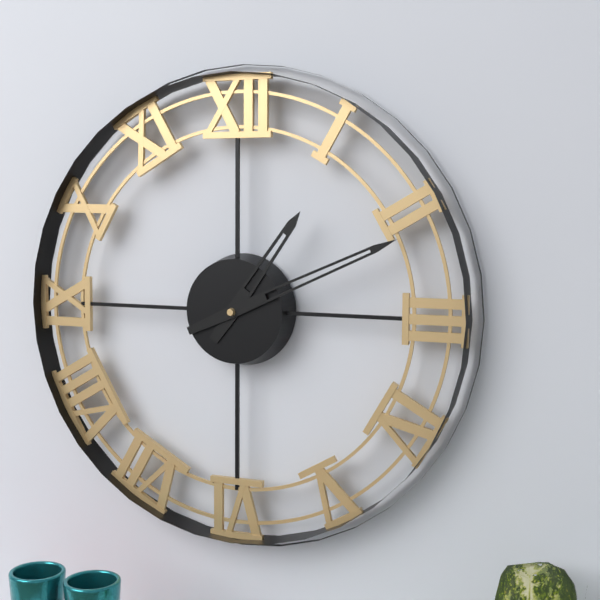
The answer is 1:11
